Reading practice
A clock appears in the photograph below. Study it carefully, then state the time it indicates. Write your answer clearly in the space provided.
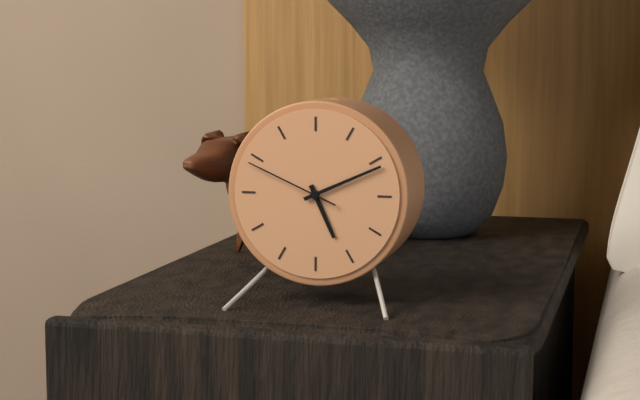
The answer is 5:11:49
